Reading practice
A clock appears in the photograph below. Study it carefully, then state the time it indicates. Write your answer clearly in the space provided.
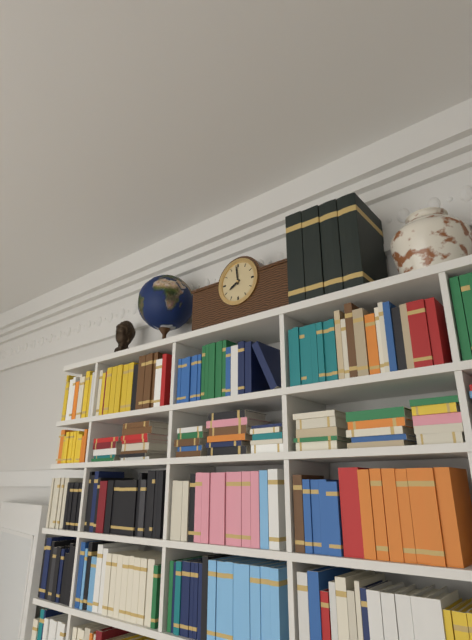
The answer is 7:59
